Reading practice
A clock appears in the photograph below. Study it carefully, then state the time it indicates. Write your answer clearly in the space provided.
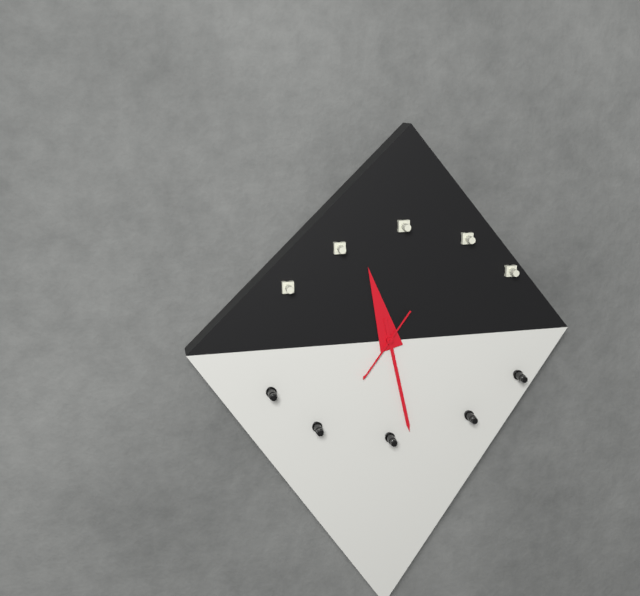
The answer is 11:28:36
